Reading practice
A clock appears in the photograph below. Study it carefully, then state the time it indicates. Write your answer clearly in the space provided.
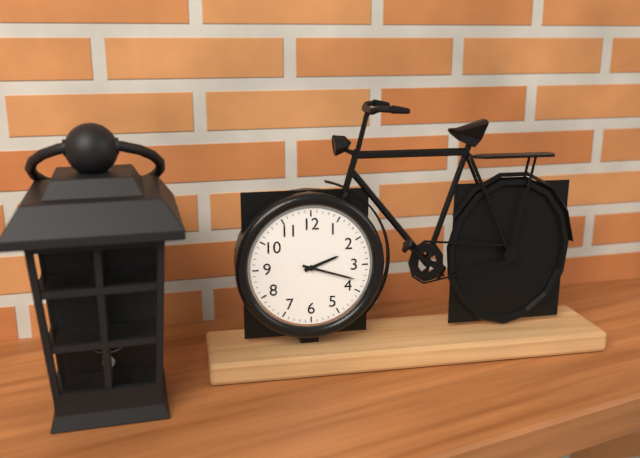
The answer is 2:18
